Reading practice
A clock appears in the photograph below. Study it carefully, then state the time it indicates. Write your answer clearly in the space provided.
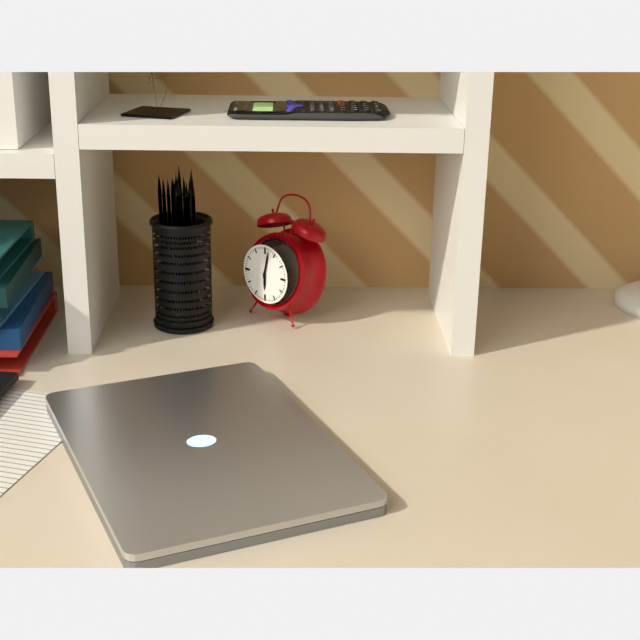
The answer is 6:02
